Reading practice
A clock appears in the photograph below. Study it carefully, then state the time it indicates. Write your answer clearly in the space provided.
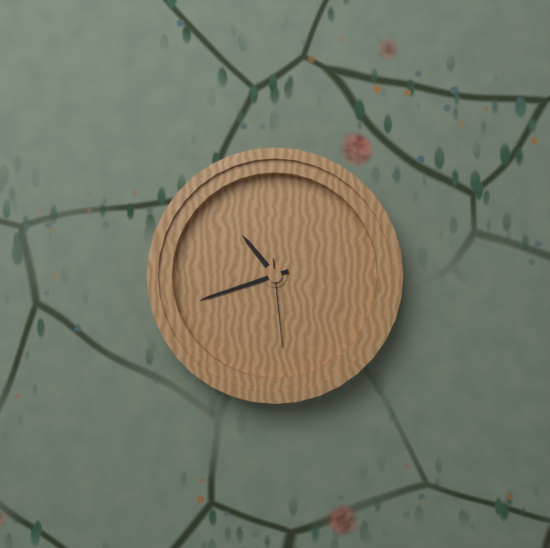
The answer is 10:42:29
